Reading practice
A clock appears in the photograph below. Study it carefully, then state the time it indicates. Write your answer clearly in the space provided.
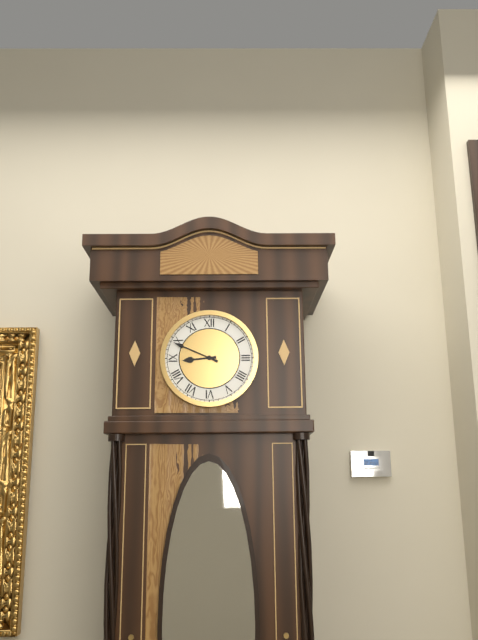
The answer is 8:49
